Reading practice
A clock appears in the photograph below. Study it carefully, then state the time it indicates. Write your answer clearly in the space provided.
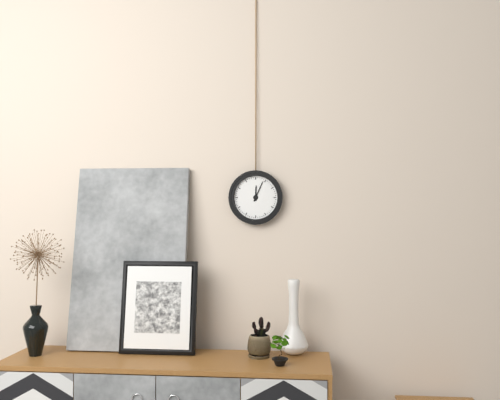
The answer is 12:04
